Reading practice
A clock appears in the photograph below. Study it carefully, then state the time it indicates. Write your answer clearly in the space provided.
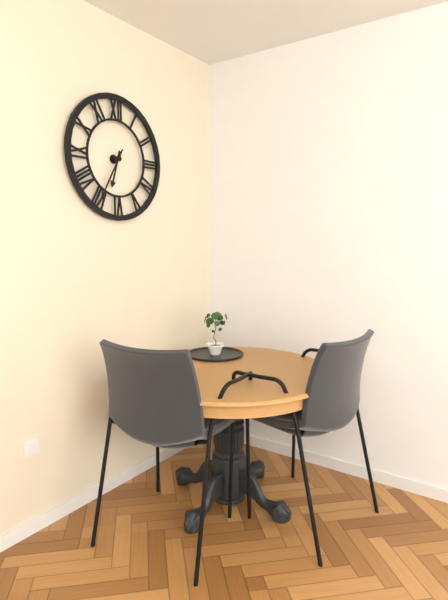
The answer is 6:35
